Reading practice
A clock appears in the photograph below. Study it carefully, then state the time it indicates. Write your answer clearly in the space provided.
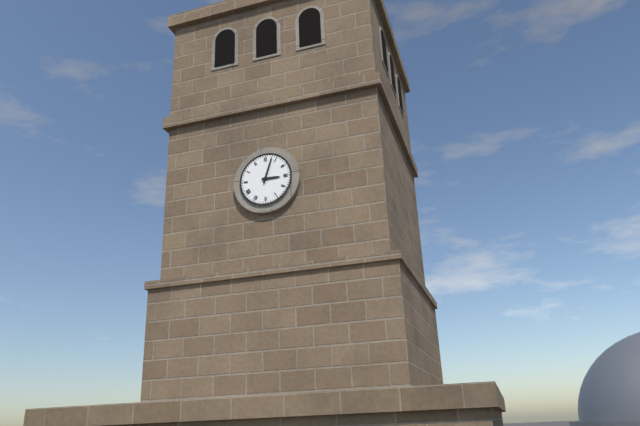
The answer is 3:03
